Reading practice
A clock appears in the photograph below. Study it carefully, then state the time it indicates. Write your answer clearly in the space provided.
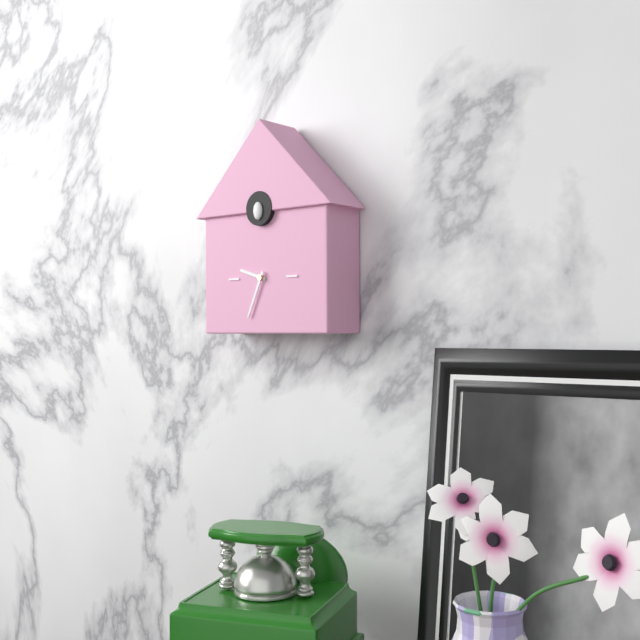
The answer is 9:34
